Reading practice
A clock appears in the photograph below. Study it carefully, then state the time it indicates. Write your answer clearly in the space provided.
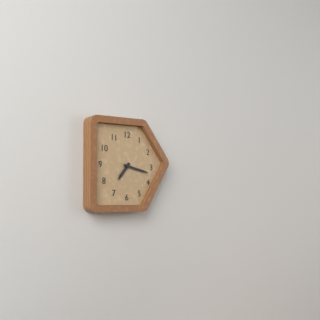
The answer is 7:17
